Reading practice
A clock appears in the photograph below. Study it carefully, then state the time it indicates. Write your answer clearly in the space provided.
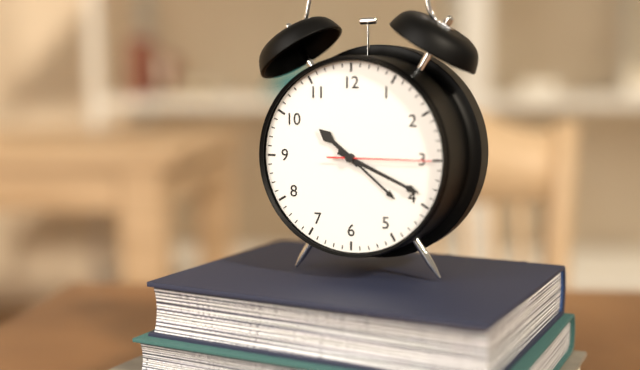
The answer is 10:19:15
